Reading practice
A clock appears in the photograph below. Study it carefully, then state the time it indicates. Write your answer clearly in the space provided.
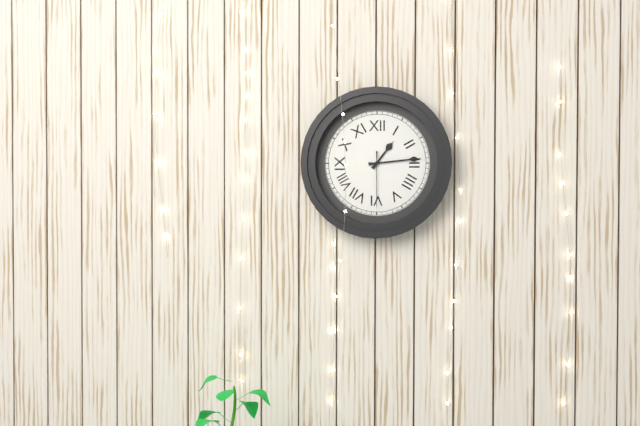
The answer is 1:14:30
